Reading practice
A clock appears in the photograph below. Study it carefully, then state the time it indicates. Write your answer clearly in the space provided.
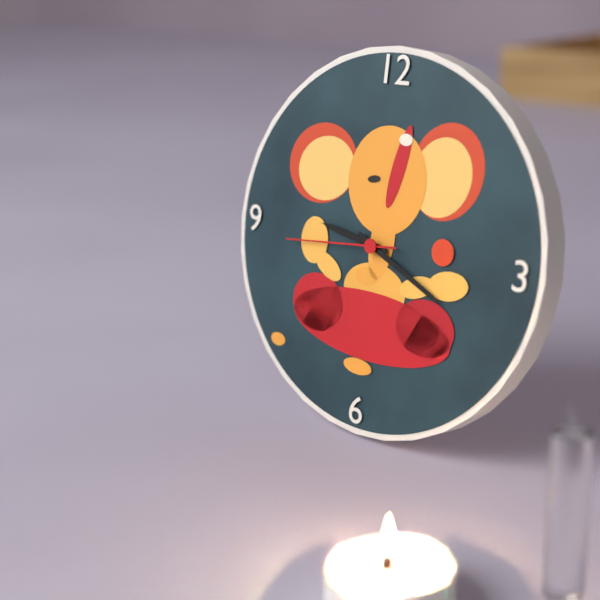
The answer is 9:19:44
